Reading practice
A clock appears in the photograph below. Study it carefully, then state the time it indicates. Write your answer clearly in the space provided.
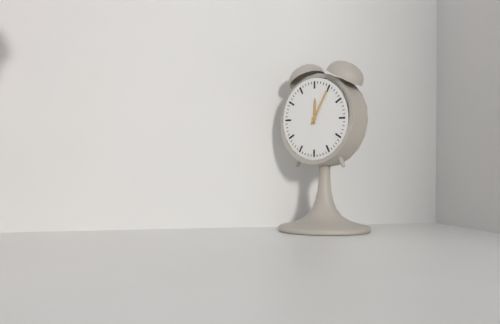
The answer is 12:05
